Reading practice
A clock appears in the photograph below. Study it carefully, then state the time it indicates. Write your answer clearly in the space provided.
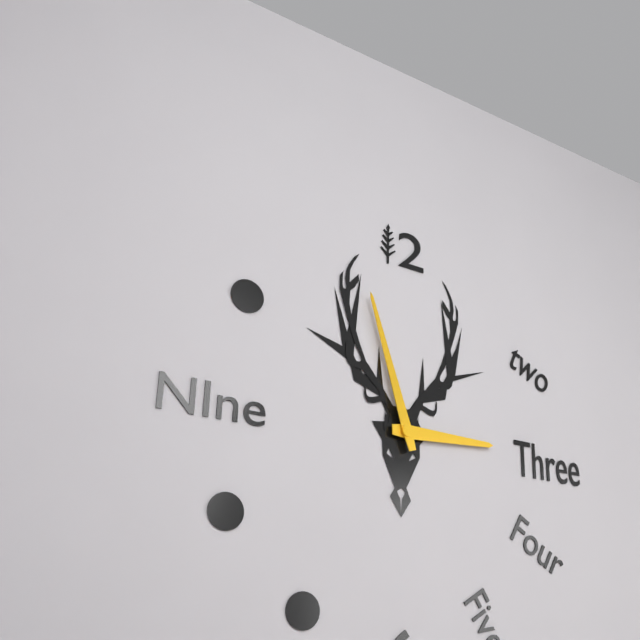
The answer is 2:57
